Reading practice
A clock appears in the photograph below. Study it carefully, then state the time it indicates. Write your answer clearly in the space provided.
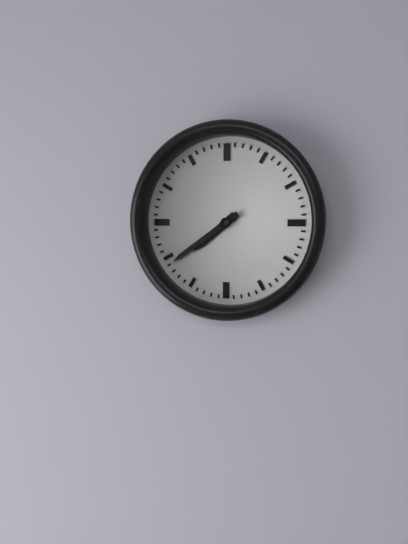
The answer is 7:39
